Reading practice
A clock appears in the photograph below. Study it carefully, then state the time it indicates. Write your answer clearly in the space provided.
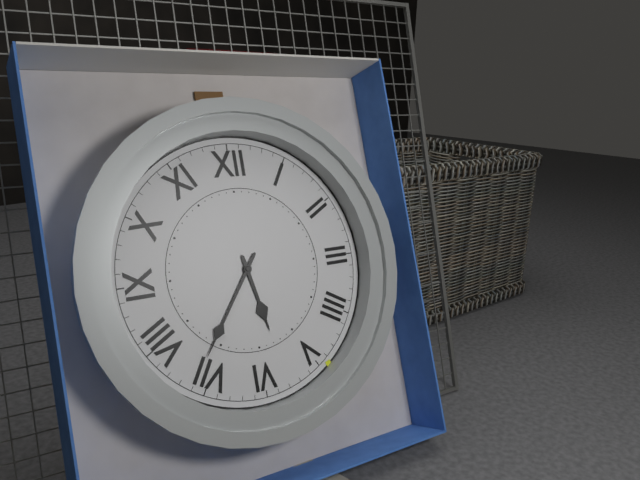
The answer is 5:36
